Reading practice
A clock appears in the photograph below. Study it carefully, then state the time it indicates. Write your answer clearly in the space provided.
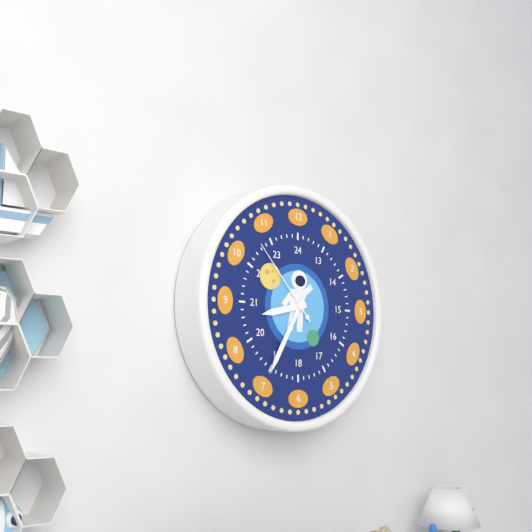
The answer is 8:35:53
